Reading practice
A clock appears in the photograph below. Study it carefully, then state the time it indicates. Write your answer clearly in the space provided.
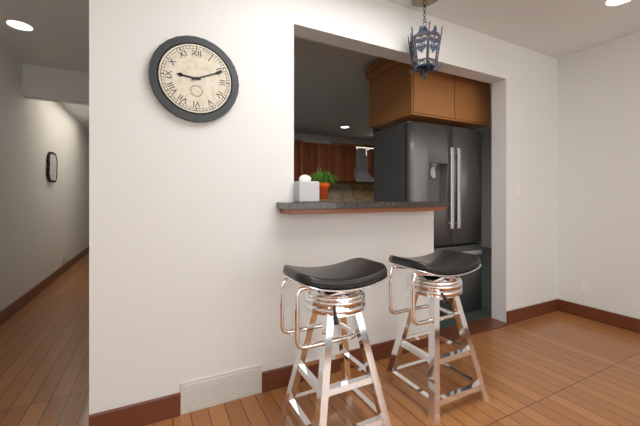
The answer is 9:11
